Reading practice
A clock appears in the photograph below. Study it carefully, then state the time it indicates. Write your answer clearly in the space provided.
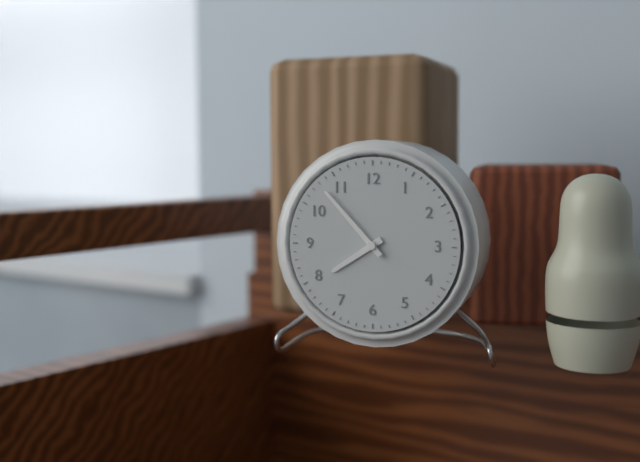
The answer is 7:53
